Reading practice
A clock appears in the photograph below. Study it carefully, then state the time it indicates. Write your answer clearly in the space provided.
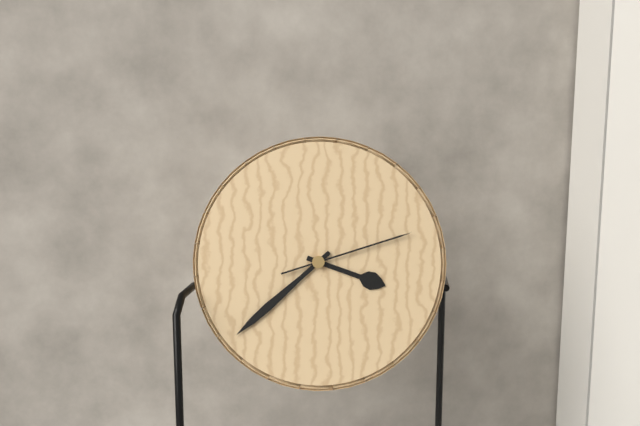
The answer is 3:38:12
